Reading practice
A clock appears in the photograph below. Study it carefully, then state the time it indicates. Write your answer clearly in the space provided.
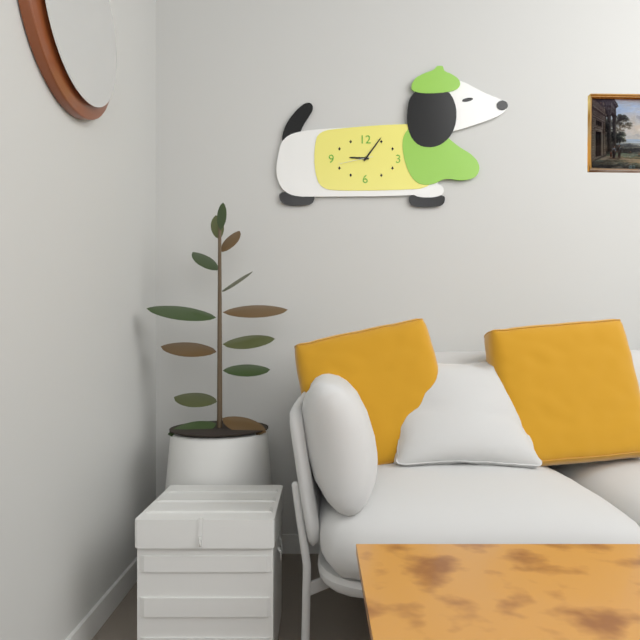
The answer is 9:06
